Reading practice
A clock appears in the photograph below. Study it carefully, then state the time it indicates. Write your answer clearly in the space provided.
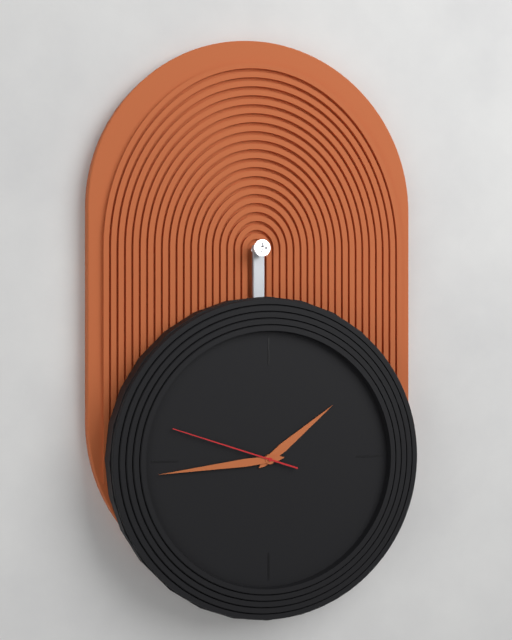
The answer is 1:44:48
